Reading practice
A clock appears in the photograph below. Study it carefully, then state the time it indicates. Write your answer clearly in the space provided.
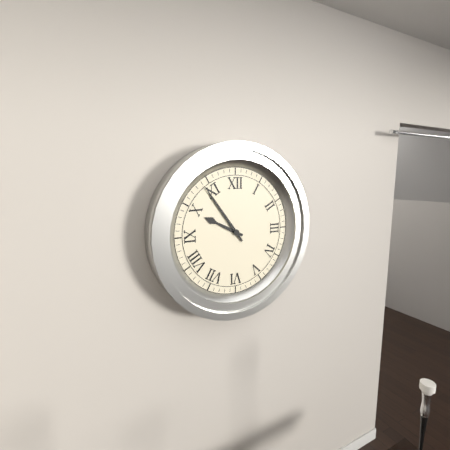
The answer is 9:54
